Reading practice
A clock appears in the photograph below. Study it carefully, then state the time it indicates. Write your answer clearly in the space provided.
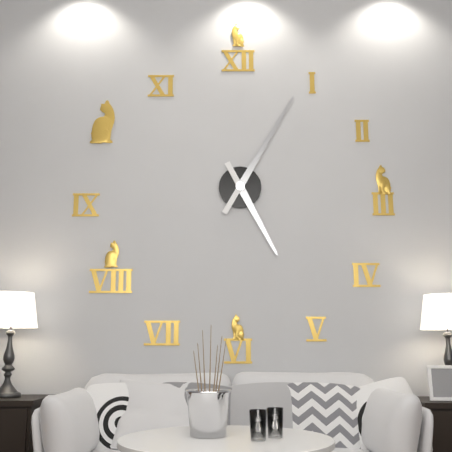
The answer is 5:05
